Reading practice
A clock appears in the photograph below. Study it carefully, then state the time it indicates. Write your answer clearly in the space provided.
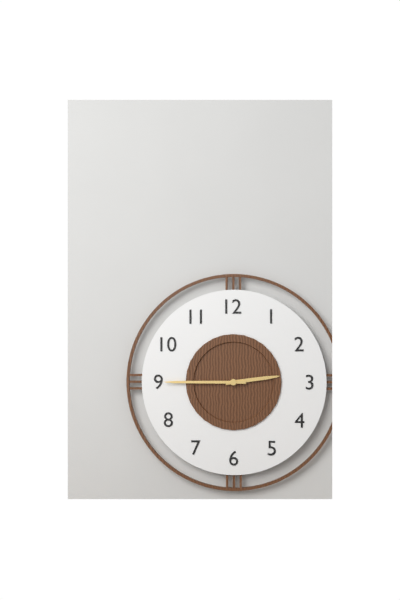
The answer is 2:45
